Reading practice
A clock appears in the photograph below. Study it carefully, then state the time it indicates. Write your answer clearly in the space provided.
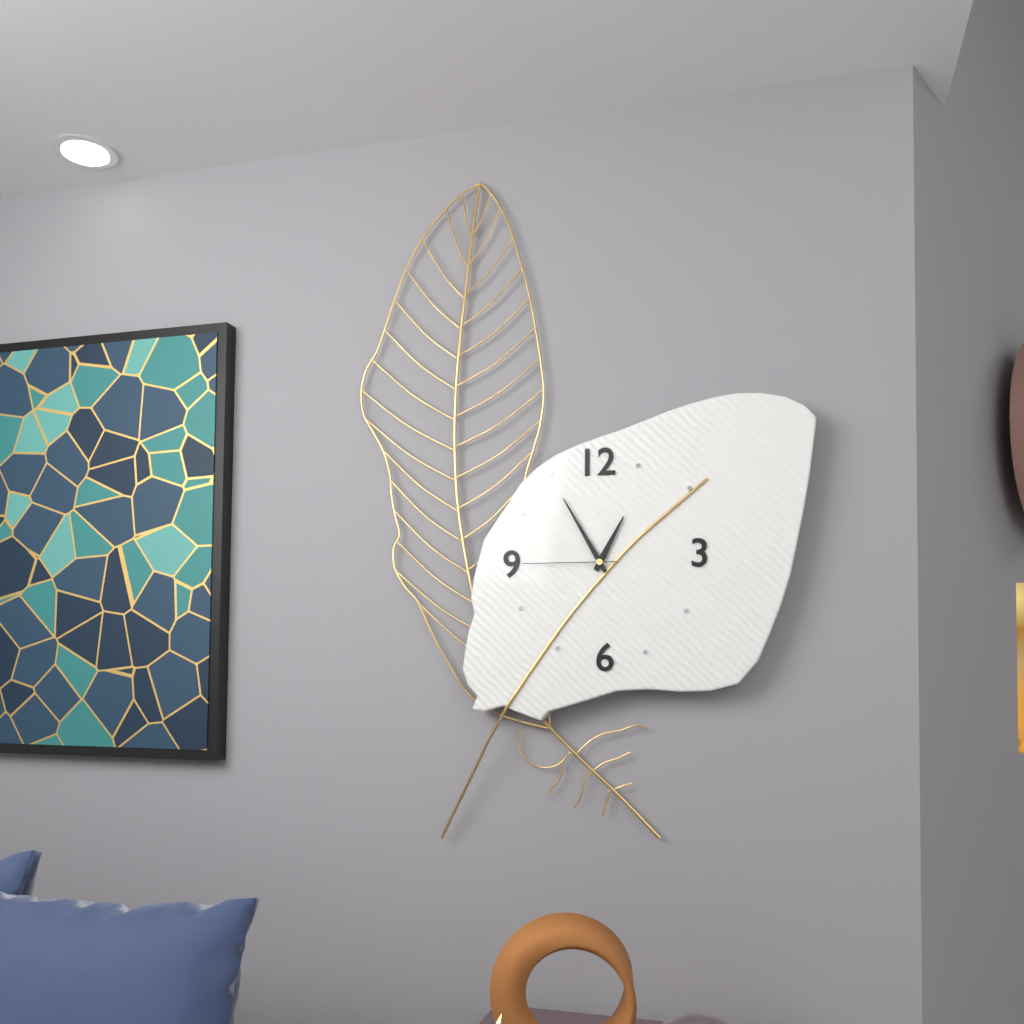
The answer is 12:55:45
